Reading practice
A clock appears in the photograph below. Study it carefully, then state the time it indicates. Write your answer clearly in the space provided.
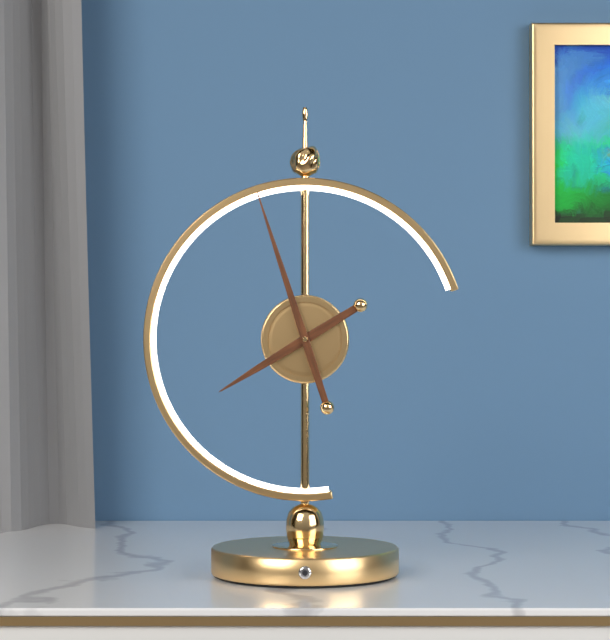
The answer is 7:57
